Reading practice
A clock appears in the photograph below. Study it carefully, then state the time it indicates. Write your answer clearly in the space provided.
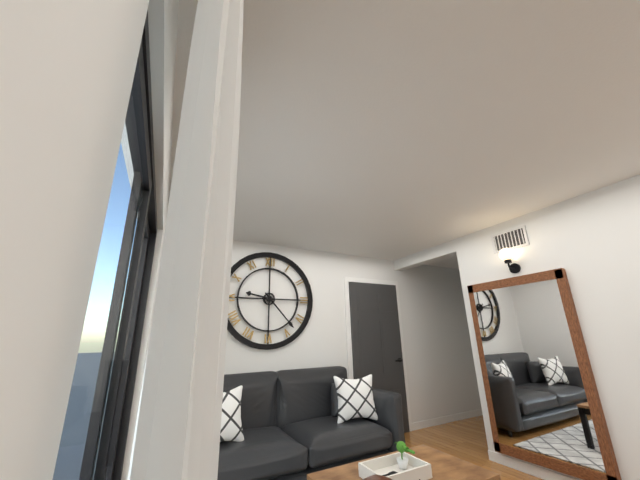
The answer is 9:23
